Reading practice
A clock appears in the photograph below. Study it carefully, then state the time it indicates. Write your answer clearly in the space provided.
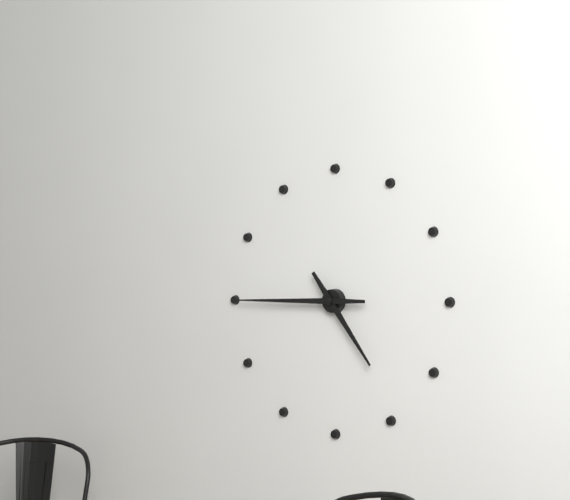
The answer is 4:45
